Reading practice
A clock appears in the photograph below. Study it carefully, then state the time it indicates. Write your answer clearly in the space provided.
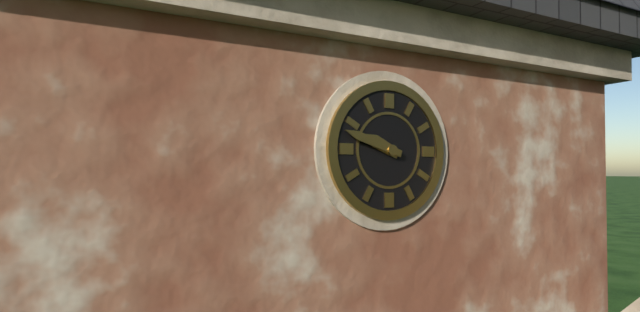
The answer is 9:48
